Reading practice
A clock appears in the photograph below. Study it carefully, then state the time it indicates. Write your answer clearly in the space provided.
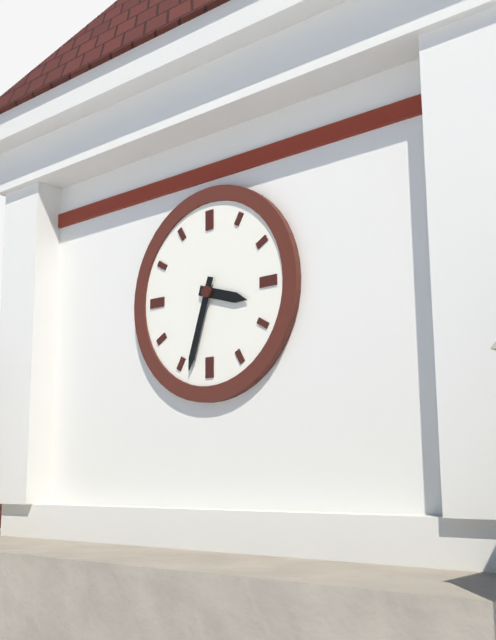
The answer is 3:33
